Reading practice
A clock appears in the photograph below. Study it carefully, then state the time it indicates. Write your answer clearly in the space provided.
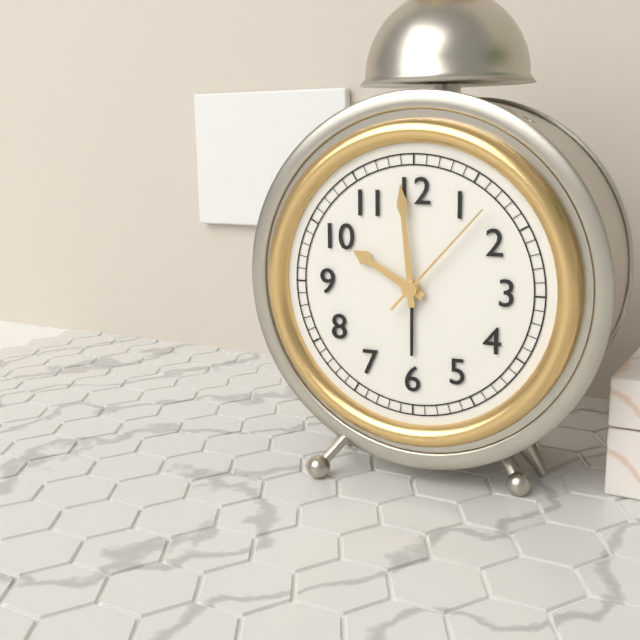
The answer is 9:59:07
